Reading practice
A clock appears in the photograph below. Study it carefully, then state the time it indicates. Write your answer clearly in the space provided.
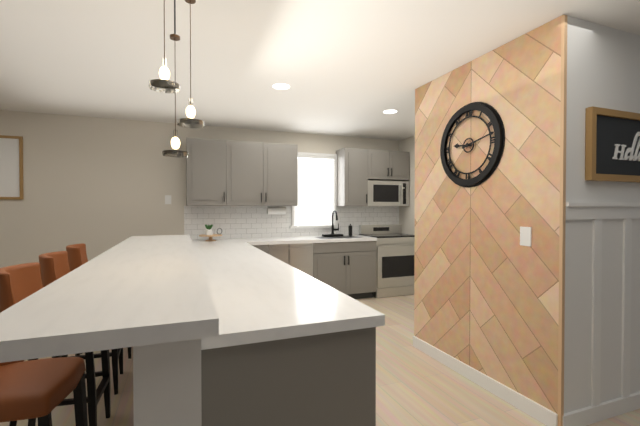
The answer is 9:13
